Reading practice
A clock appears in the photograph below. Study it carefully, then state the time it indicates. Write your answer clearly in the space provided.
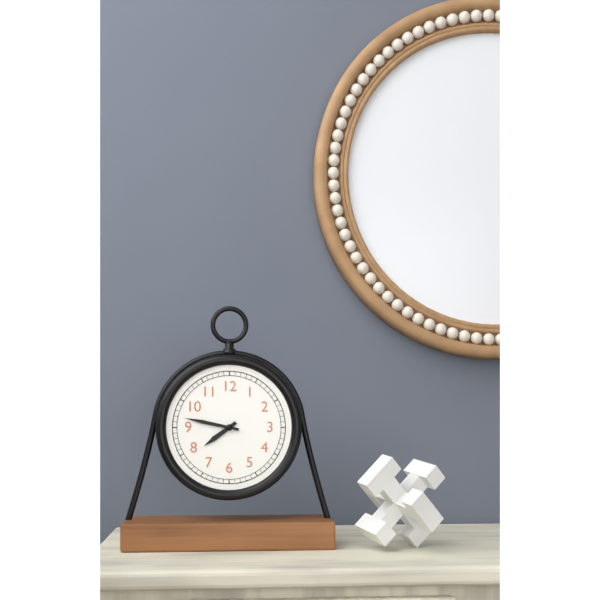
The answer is 7:47
